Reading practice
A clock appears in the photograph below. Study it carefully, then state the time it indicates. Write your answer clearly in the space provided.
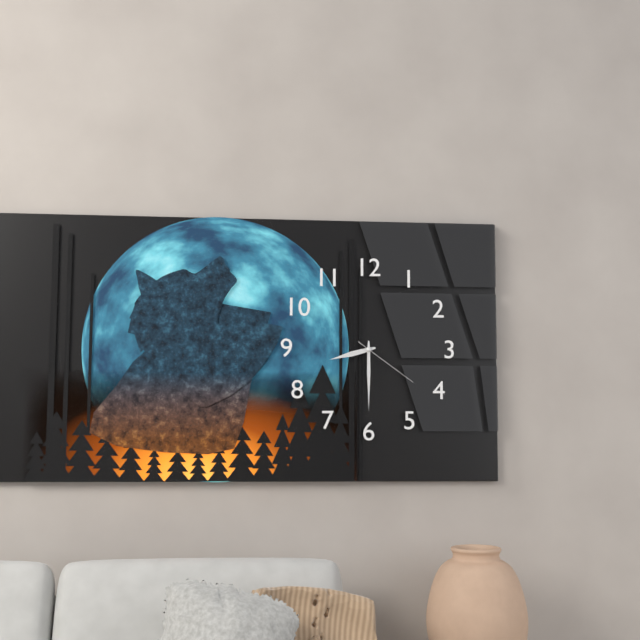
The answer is 8:30:21
